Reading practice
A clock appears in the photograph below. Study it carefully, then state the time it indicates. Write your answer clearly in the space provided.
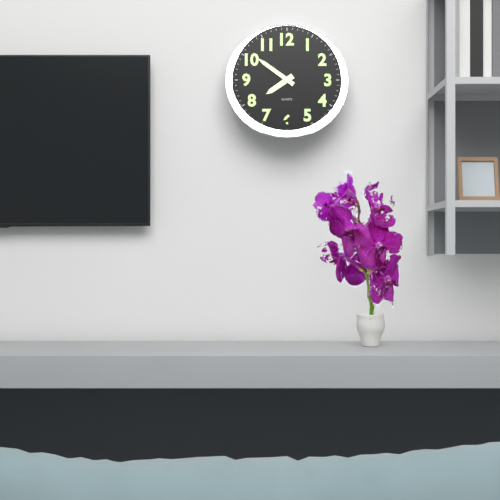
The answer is 7:51
